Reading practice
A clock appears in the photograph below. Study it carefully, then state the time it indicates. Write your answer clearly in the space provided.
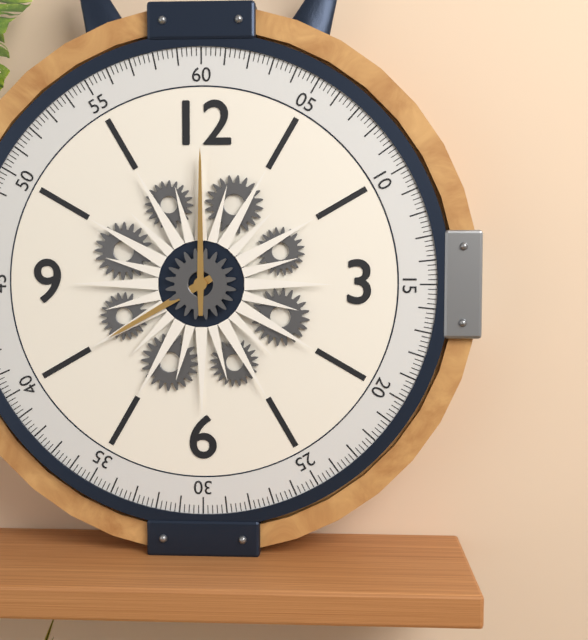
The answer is 8:00
